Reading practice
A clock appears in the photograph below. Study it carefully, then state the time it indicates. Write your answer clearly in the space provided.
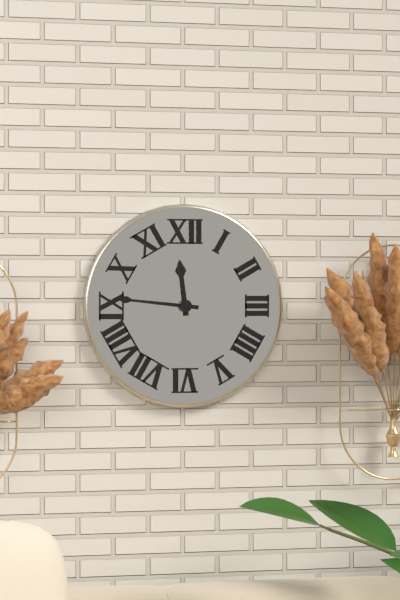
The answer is 11:46
